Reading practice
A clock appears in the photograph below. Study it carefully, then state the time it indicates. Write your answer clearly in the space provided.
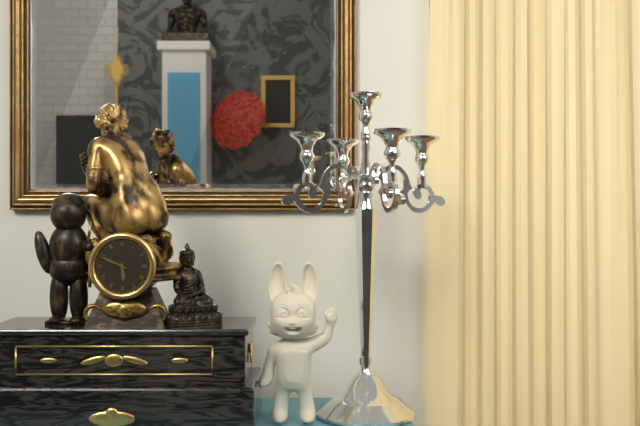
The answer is 5:49
